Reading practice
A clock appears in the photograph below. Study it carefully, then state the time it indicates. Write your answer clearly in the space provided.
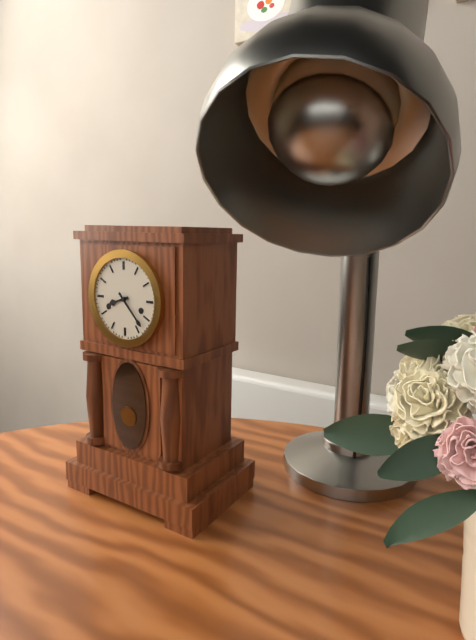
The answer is 8:23
